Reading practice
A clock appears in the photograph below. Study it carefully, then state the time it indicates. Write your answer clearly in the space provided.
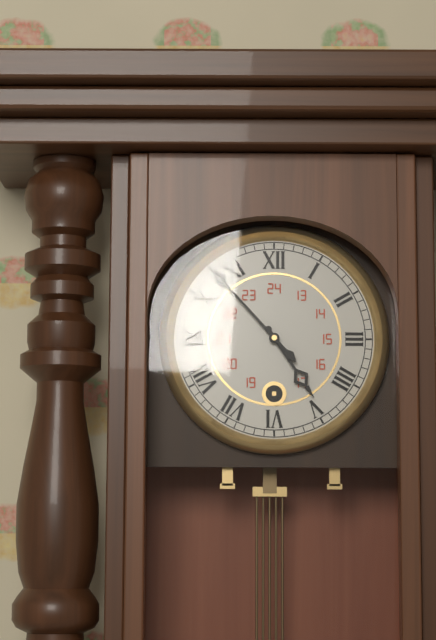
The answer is 4:53
